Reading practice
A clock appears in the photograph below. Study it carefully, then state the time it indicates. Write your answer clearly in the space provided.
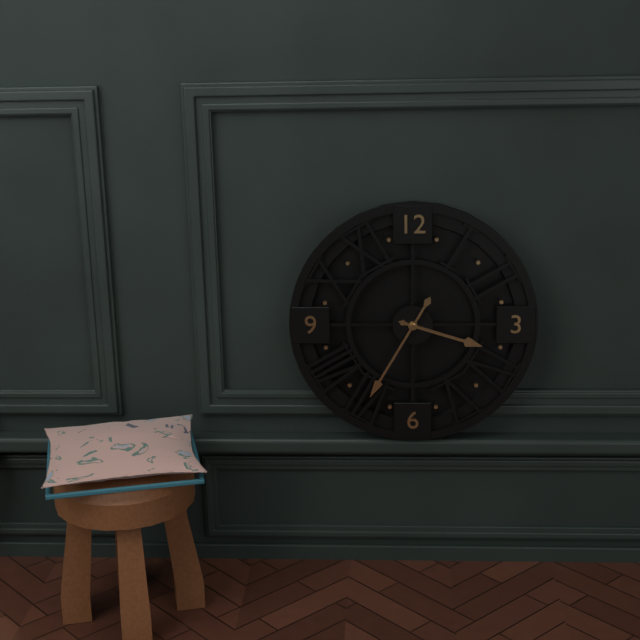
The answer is 3:35
